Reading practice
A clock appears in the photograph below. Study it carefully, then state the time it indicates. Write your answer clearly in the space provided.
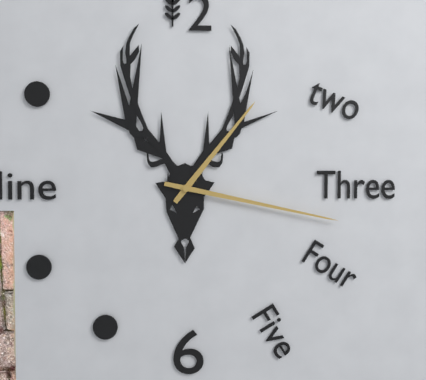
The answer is 1:17
